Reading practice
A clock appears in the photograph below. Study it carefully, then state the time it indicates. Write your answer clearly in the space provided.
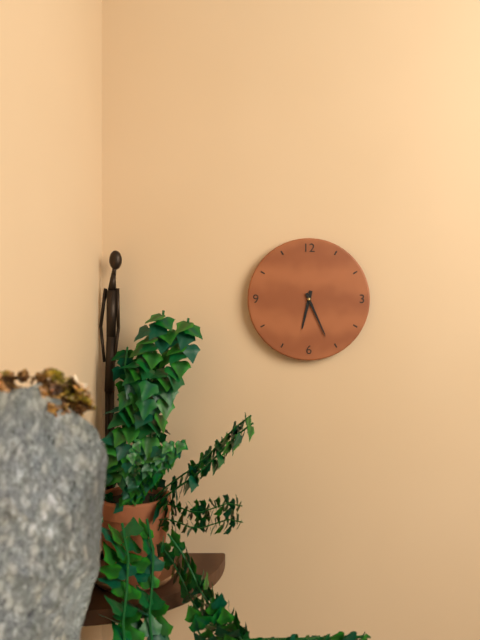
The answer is 6:26
